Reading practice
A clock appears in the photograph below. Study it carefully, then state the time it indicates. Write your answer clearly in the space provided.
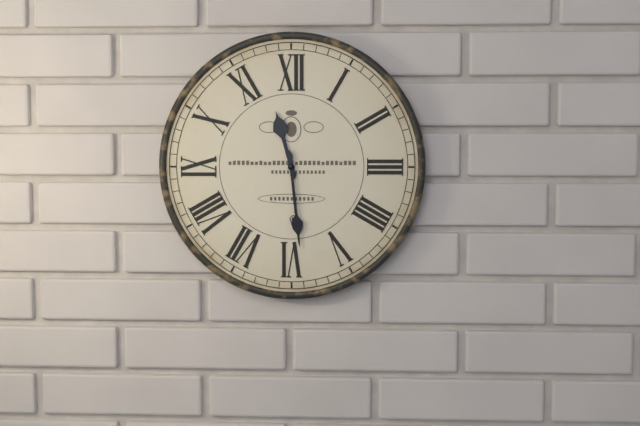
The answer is 11:29
